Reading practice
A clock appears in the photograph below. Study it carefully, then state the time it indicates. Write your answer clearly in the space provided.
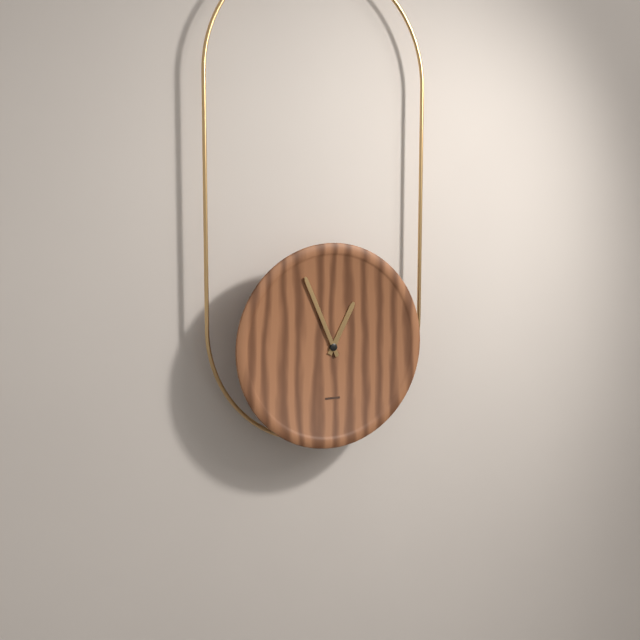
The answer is 12:56
